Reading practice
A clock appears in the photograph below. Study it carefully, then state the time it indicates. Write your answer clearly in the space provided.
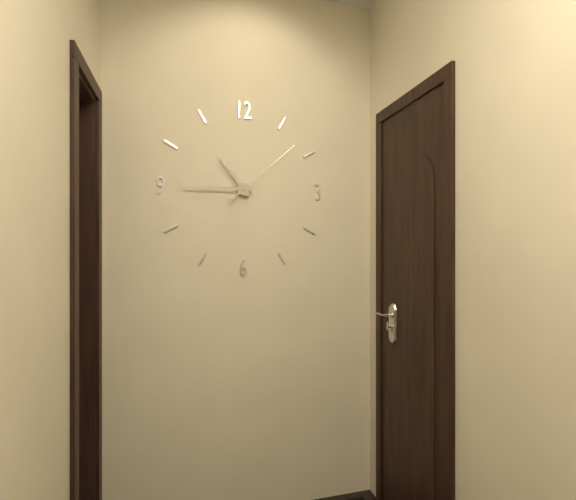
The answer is 10:45:08
